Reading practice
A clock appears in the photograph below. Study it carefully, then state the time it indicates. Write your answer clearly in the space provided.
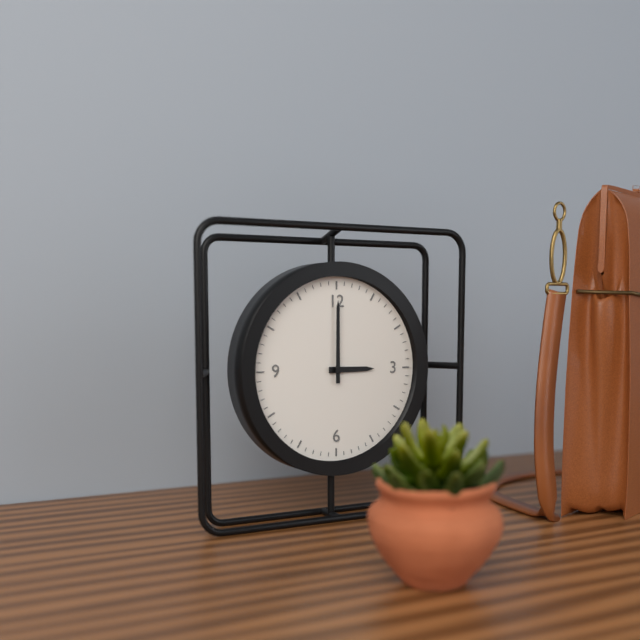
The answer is 3:00
